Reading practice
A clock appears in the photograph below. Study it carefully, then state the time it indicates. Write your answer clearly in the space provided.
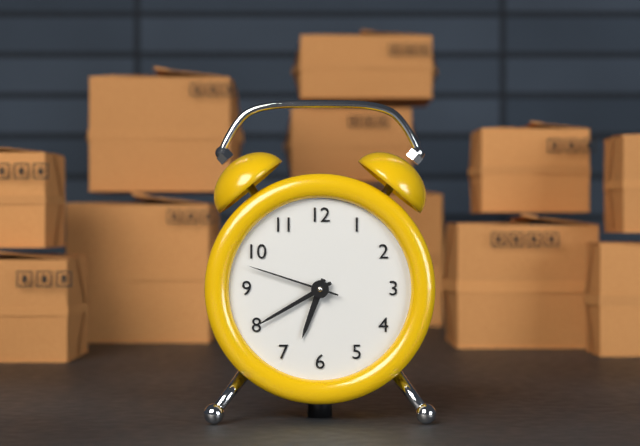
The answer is 6:40:48
